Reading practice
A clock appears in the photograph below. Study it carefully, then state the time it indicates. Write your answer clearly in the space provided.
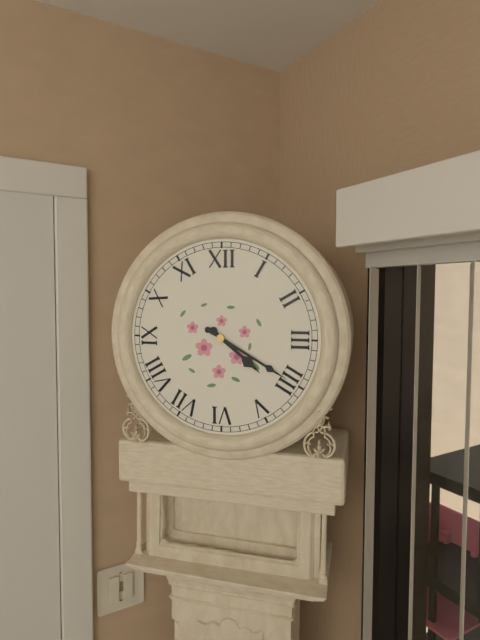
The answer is 4:20
